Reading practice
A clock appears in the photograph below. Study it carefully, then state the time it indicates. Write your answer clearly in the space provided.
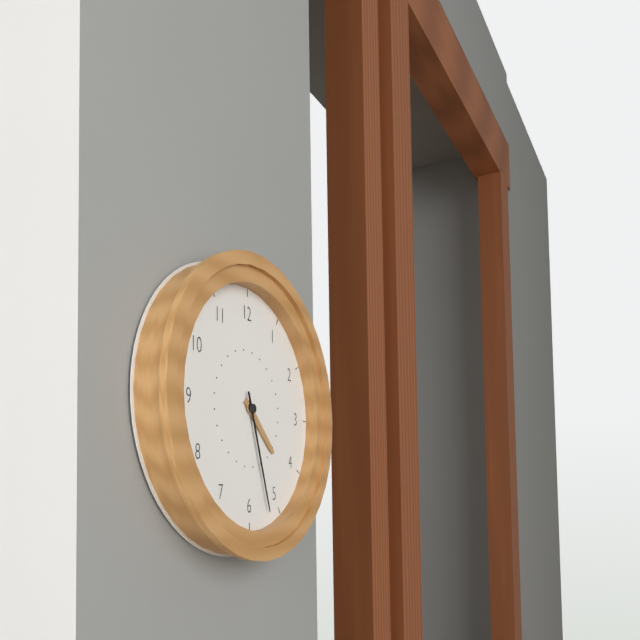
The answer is 4:27
